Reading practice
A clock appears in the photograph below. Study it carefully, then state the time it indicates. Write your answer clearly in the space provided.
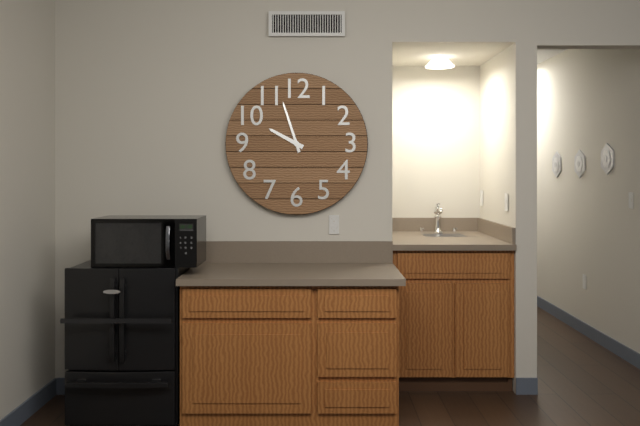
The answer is 9:57
